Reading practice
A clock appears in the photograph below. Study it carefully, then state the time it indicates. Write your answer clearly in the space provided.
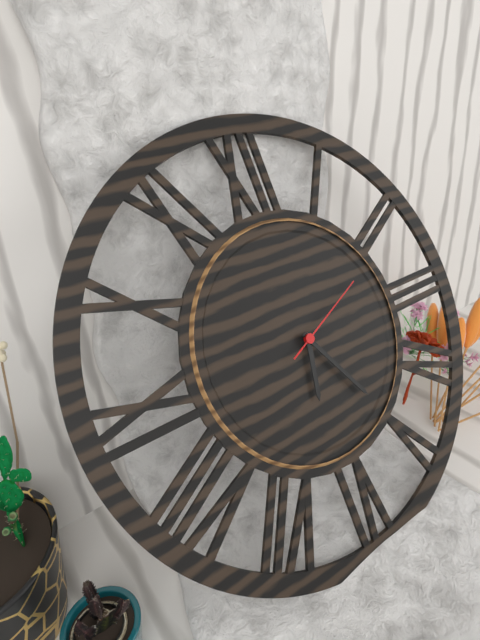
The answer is 6:25:11
